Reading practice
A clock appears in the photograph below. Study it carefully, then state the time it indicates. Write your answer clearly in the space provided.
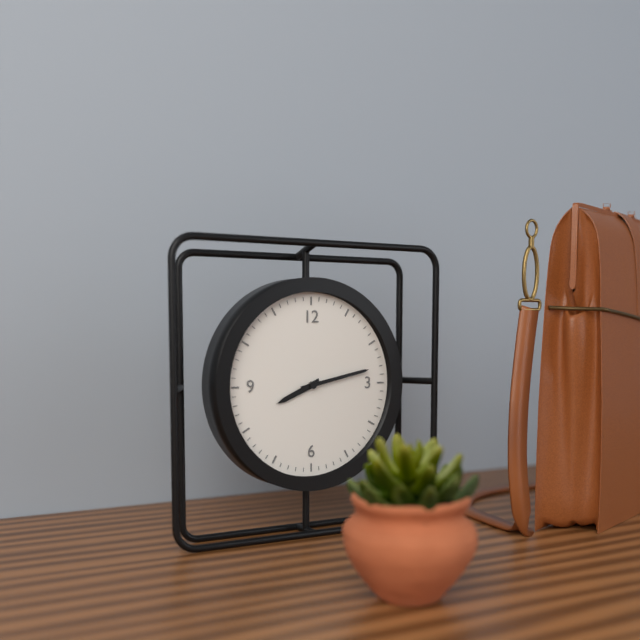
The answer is 8:13
